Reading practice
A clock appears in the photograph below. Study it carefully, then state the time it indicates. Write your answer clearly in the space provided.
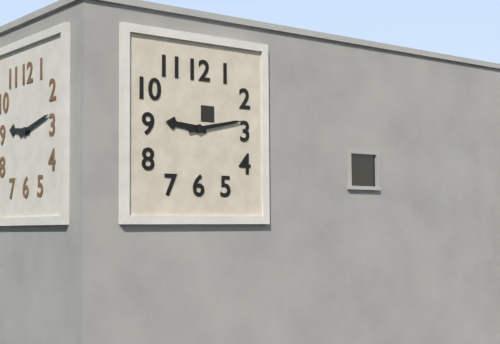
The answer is 9:13
